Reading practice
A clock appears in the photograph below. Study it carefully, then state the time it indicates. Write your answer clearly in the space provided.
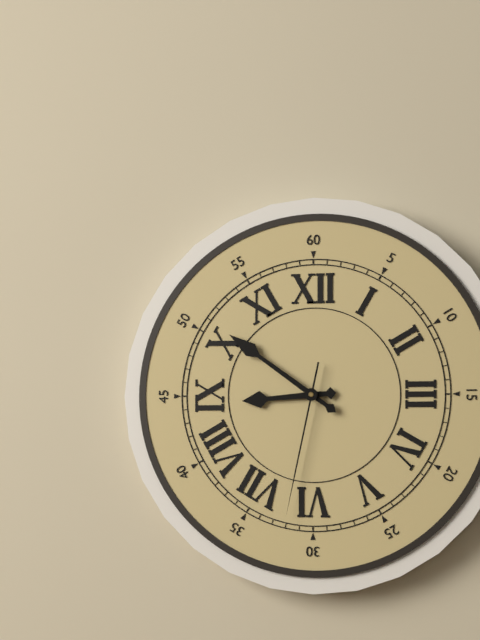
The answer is 8:51:32
